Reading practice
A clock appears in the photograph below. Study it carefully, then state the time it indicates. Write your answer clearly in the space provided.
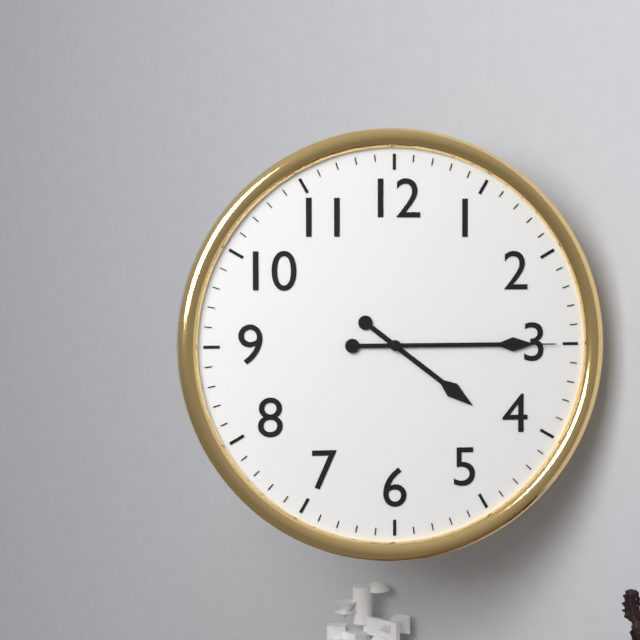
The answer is 4:15:15
